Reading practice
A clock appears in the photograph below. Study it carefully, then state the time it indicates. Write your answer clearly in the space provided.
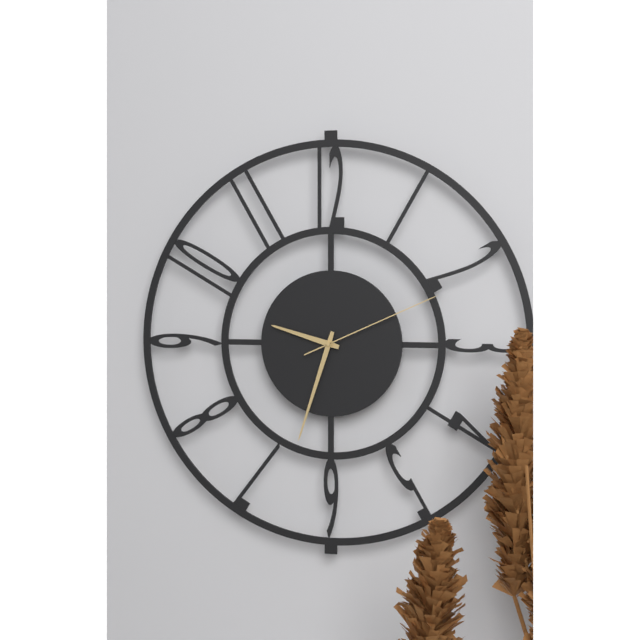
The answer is 9:33:11
